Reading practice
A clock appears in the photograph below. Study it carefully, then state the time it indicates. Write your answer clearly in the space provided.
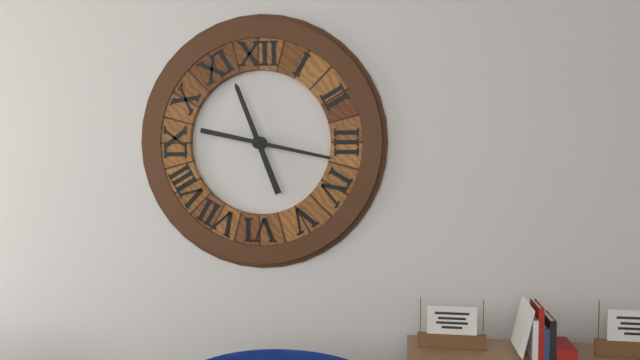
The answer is 11:17
